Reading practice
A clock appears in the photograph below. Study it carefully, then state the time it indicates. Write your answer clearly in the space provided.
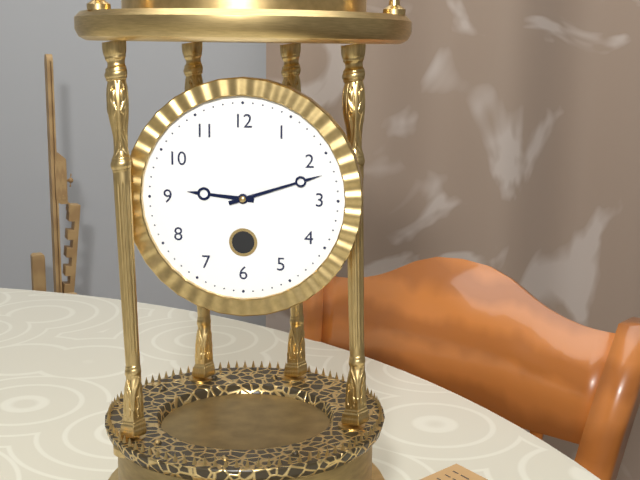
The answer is 9:12
